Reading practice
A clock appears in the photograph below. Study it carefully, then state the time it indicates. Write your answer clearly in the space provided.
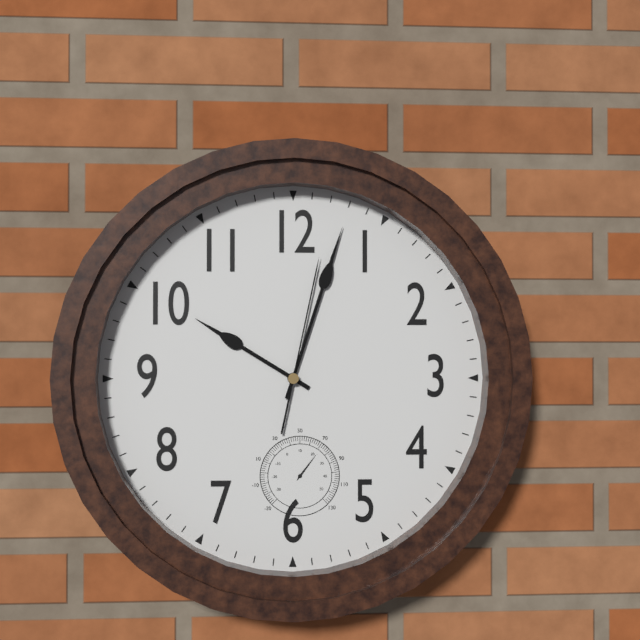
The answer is 10:03:02
